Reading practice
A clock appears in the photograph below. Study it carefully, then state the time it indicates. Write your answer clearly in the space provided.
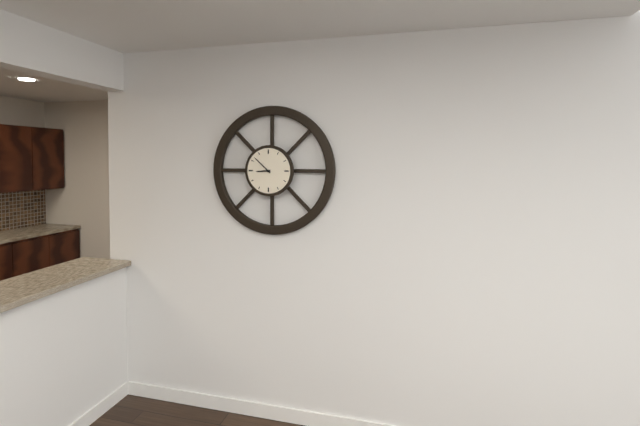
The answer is 8:52
